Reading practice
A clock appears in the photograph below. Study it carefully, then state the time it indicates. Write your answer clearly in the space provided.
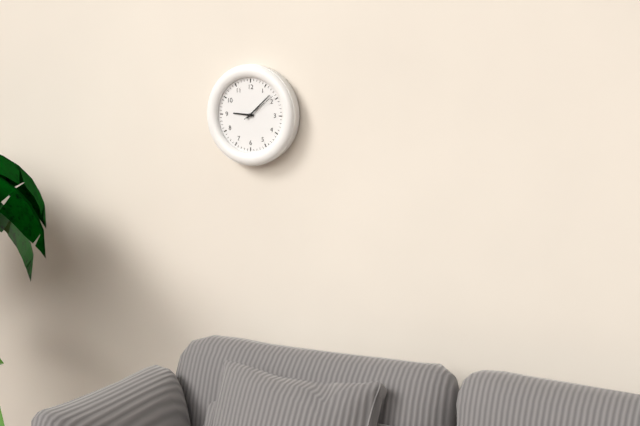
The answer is 9:08
